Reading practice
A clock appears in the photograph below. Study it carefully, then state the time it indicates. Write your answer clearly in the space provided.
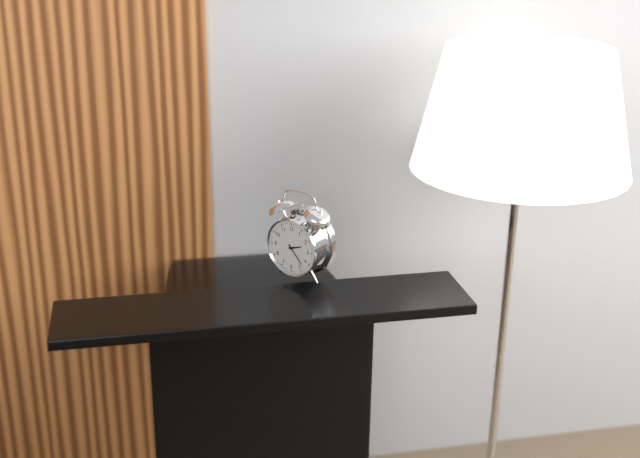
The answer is 2:23
